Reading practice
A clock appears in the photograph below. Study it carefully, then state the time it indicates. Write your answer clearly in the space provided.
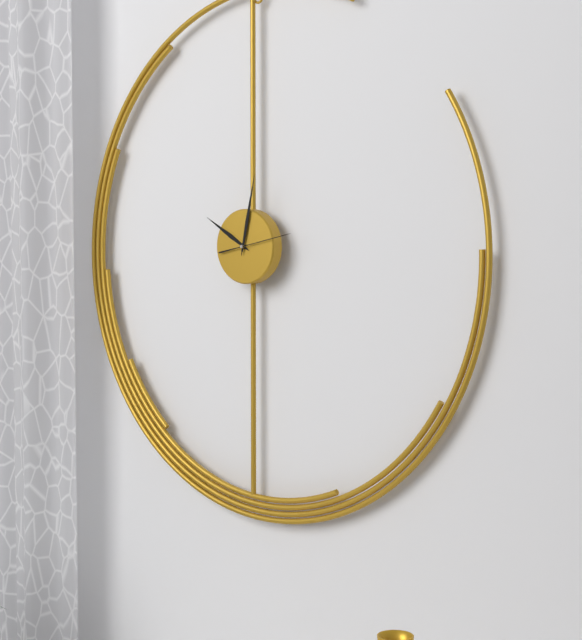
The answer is 10:02:13
